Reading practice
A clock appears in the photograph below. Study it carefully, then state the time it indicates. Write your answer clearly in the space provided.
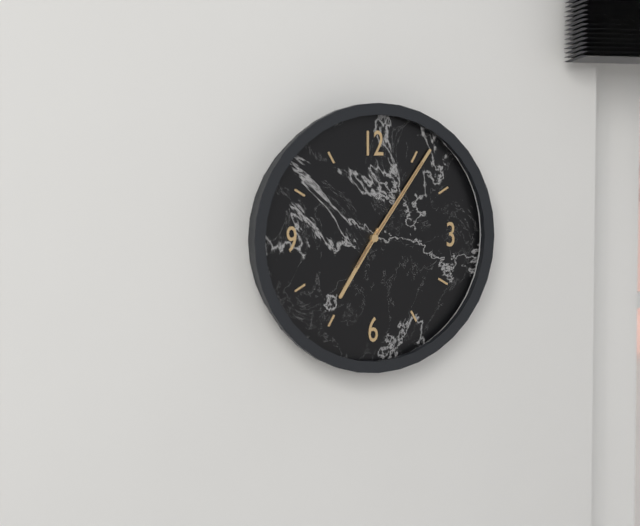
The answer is 7:06:06
